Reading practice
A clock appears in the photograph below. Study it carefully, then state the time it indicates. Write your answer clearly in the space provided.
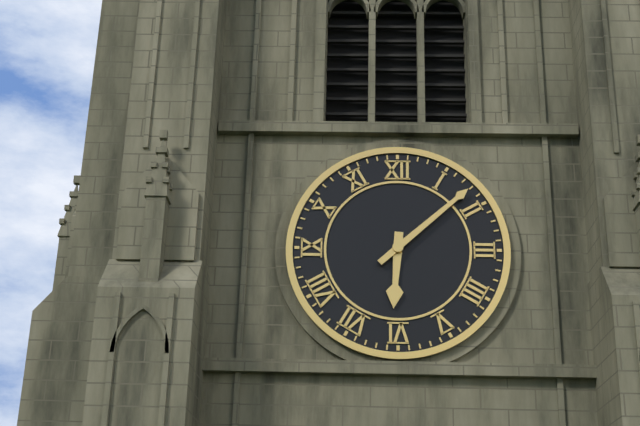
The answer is 6:08
